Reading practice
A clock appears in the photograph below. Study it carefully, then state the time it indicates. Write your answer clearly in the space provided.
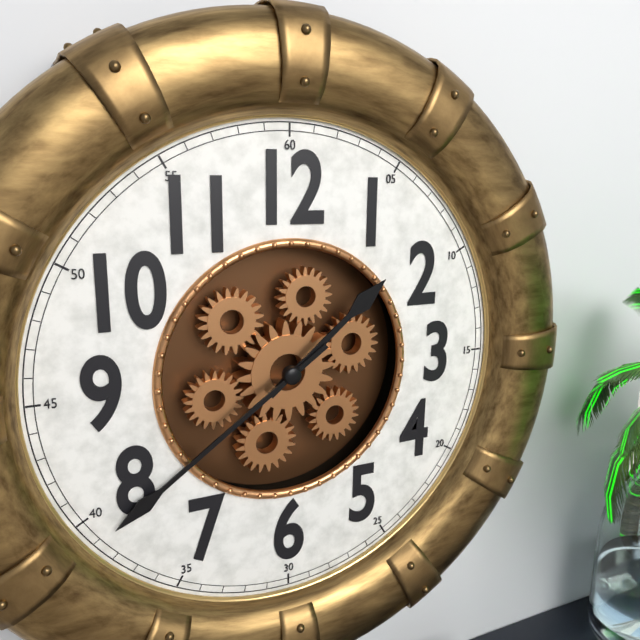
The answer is 1:39
